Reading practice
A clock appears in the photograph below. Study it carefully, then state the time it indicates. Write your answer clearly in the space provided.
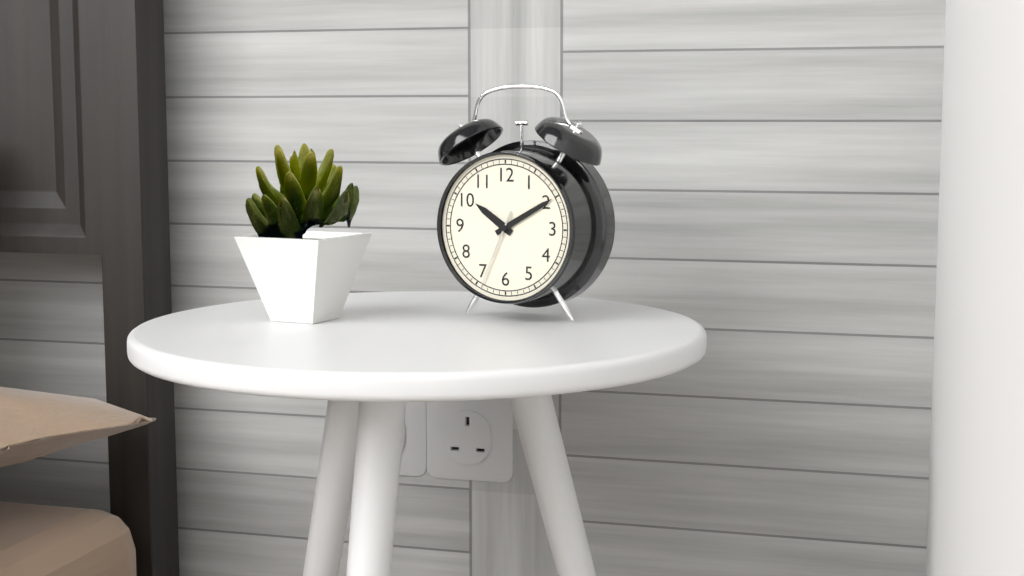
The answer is 10:10:34
